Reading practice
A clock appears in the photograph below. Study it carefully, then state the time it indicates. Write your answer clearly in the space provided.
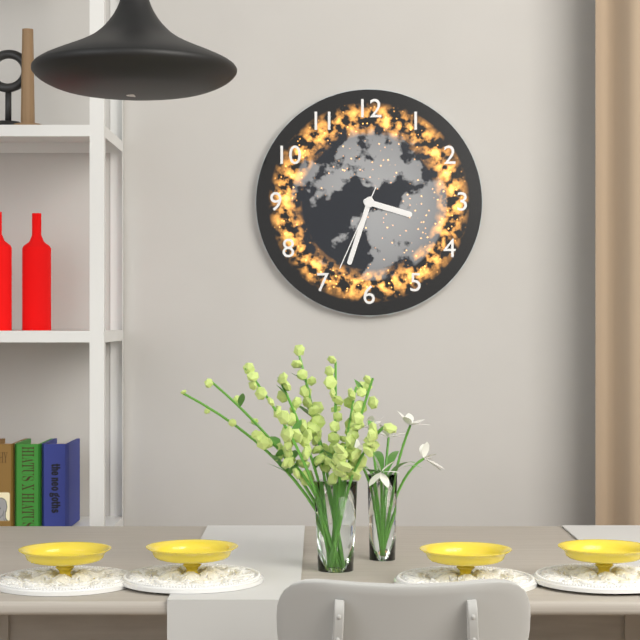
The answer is 3:33:34
